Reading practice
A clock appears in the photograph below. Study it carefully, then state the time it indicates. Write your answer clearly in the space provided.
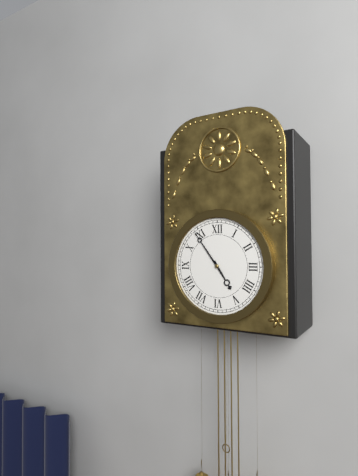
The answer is 4:54
